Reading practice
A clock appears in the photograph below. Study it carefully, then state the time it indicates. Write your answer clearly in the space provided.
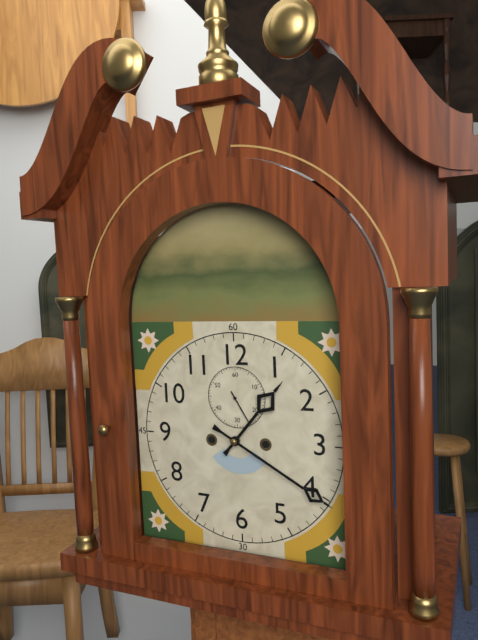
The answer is 1:20
